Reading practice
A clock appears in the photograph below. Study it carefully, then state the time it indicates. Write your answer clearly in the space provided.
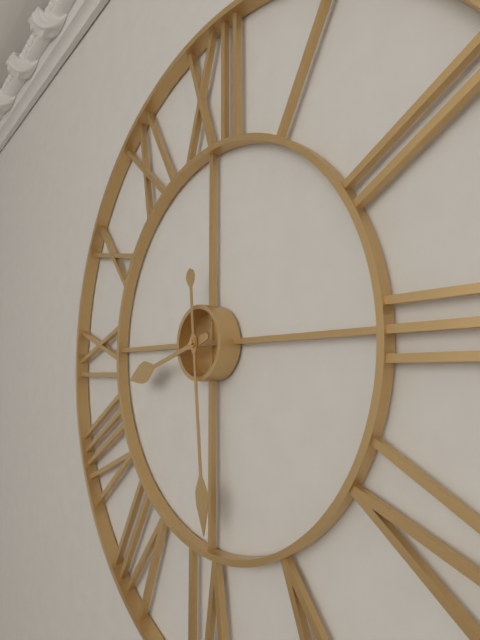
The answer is 8:29
